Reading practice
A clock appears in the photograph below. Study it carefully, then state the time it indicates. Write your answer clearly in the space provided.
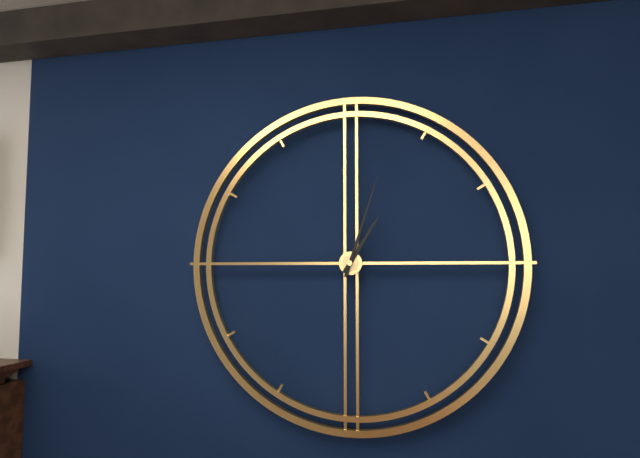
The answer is 1:03
